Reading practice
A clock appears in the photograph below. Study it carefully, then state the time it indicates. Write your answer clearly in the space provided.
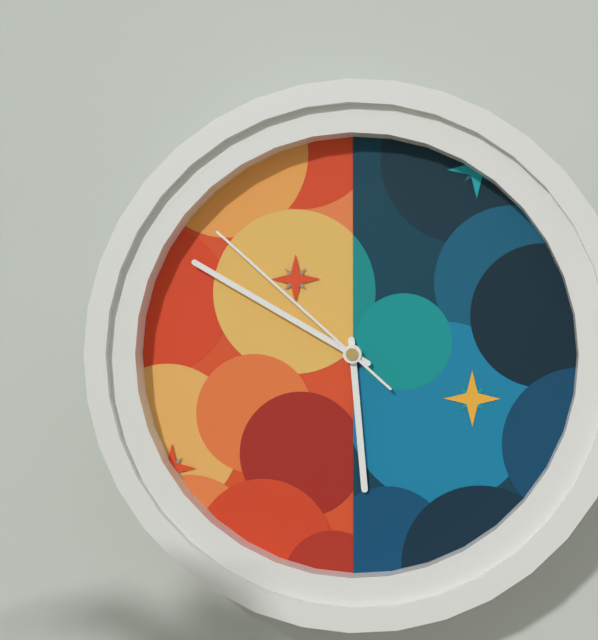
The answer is 5:50:52
